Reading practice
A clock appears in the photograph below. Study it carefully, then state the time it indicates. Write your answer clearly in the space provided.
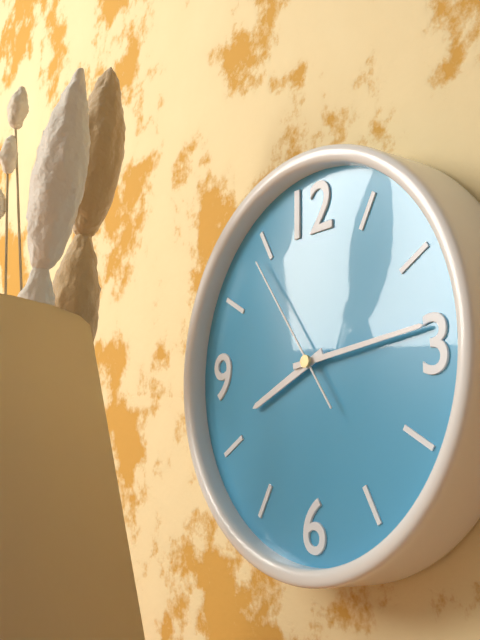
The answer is 8:14:54
